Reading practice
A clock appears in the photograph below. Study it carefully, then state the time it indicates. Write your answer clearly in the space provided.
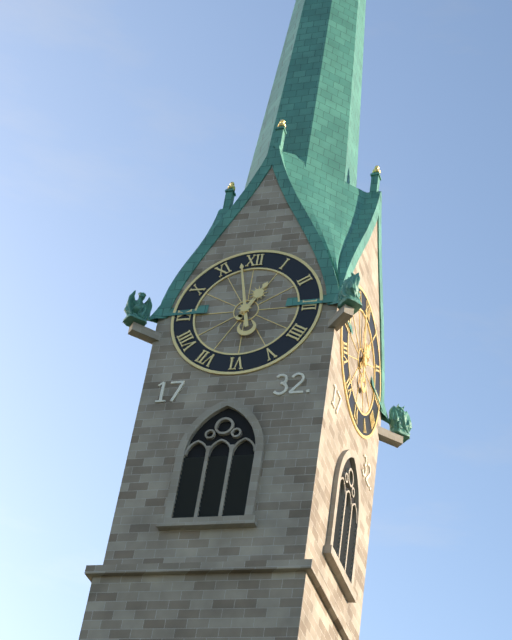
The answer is 12:58
